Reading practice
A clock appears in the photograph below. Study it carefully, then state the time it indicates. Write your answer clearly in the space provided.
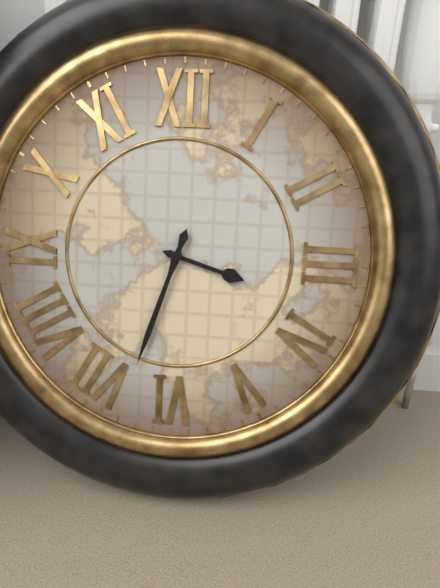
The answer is 3:33
